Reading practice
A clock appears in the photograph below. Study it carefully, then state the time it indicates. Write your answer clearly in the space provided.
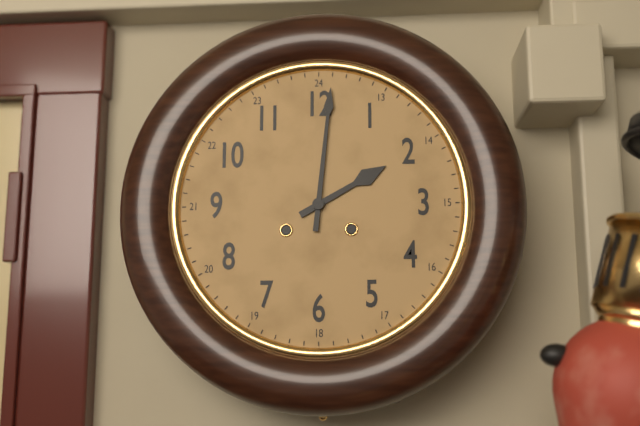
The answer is 2:01
